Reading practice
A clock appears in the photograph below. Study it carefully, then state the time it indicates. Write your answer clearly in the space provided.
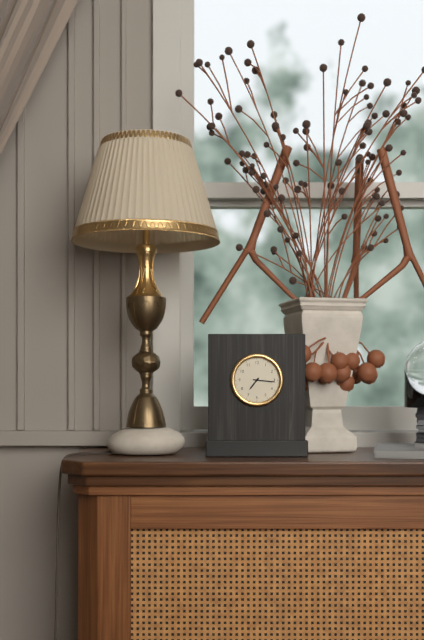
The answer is 7:16
